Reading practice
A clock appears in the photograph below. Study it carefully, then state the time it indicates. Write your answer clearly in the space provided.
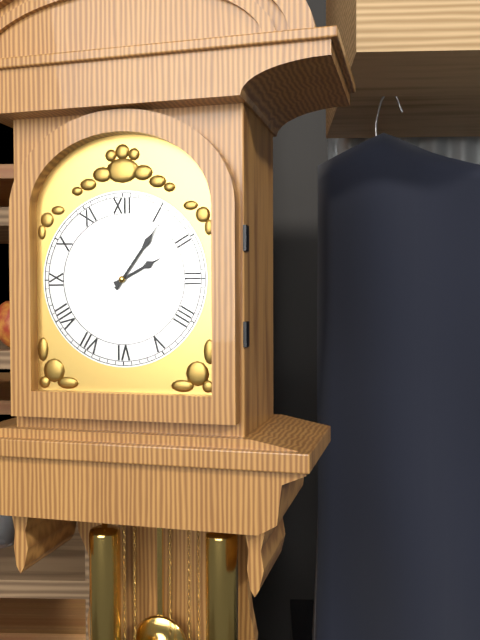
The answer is 2:06
